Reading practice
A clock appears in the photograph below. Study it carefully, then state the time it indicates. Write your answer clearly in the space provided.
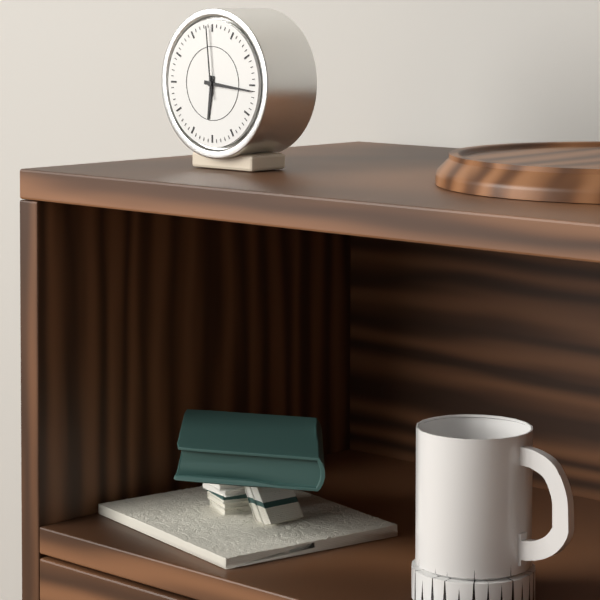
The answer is 6:16:59
